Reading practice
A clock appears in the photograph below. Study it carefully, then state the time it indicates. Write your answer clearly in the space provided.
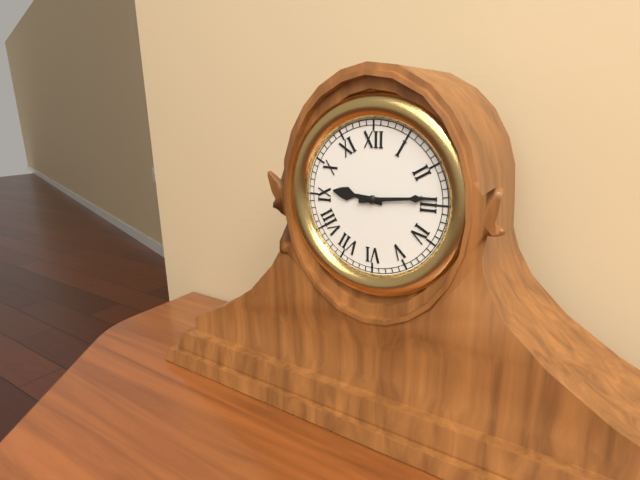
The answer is 9:14
